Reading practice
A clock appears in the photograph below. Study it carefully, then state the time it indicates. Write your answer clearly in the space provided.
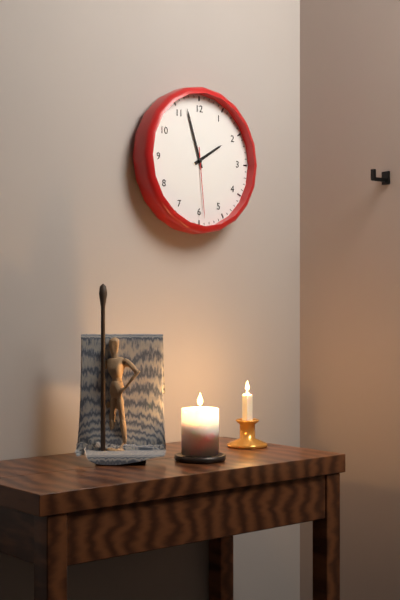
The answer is 1:57:29
